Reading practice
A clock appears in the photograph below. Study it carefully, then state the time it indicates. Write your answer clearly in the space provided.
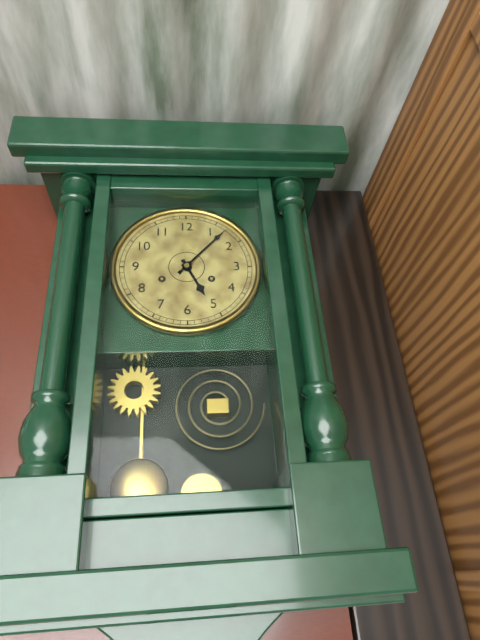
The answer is 5:07
